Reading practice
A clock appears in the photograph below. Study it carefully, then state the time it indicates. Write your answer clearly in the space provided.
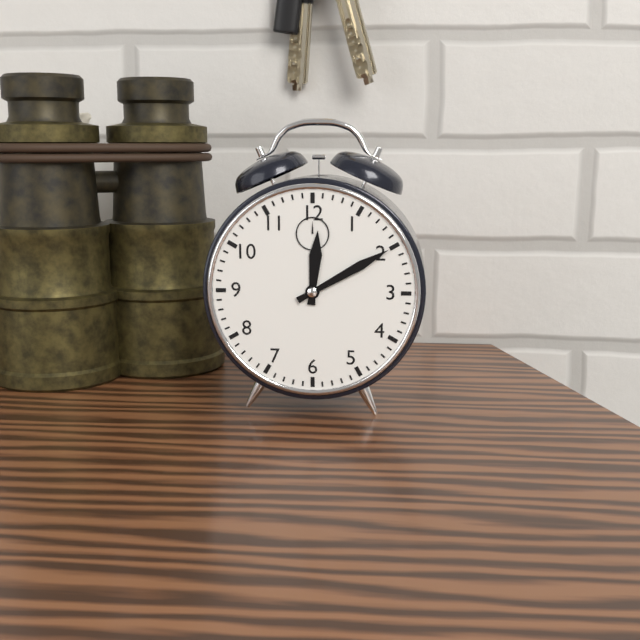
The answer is 12:10
